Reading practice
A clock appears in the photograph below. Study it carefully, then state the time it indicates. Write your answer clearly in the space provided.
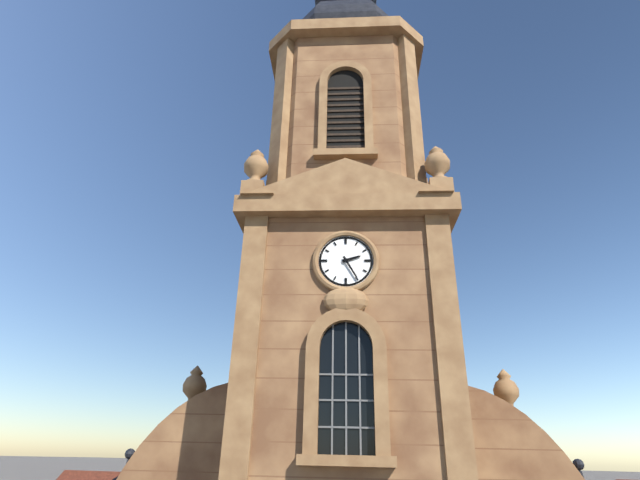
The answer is 2:25
